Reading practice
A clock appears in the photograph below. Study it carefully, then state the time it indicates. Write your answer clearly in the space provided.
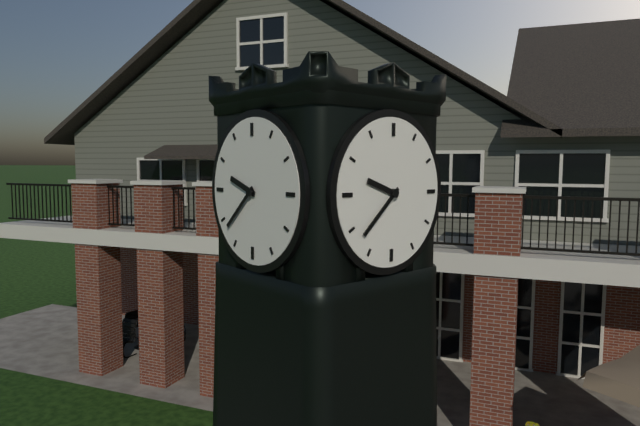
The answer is 9:38
